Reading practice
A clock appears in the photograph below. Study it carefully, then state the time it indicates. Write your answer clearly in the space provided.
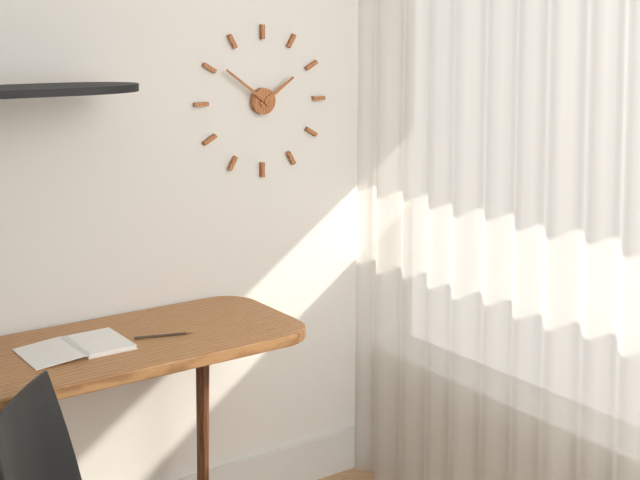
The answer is 1:51
